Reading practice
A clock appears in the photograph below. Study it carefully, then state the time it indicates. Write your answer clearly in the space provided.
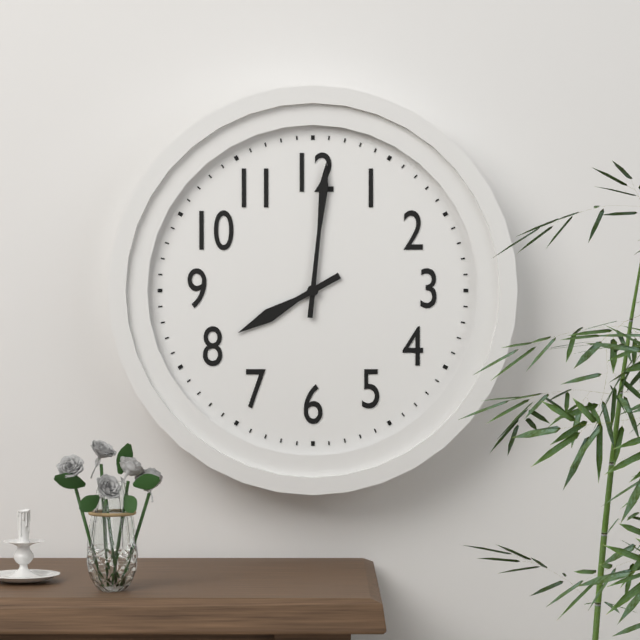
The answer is 8:01
